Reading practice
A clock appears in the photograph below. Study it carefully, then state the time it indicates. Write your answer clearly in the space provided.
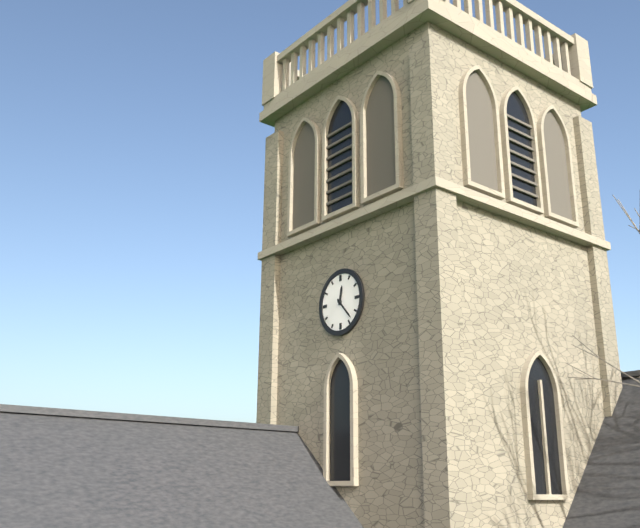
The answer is 12:23
